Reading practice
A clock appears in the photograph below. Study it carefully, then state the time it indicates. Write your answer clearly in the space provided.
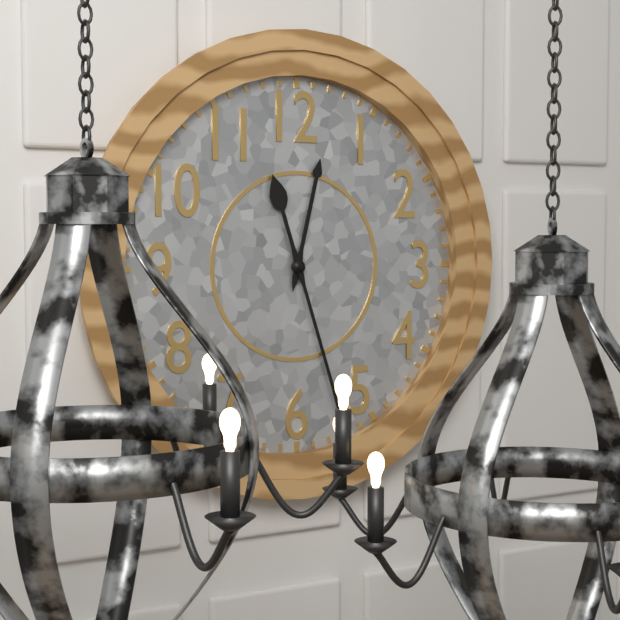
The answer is 12:27
